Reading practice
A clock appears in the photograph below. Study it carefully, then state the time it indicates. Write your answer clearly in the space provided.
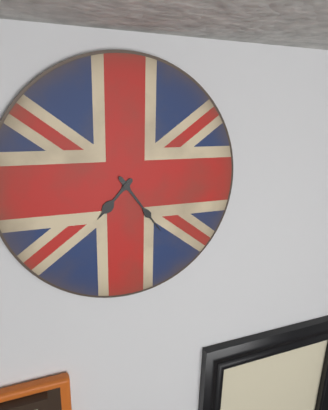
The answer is 7:24
